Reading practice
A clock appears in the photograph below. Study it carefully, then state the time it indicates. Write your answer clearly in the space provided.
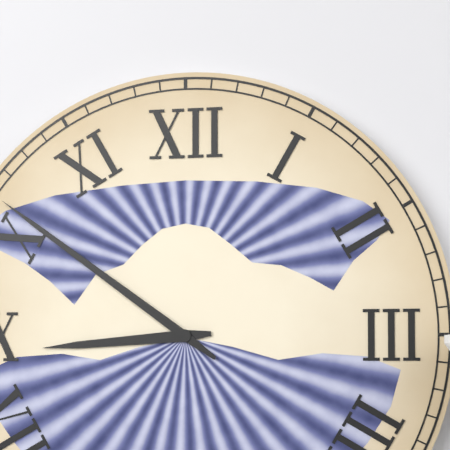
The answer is 8:51
